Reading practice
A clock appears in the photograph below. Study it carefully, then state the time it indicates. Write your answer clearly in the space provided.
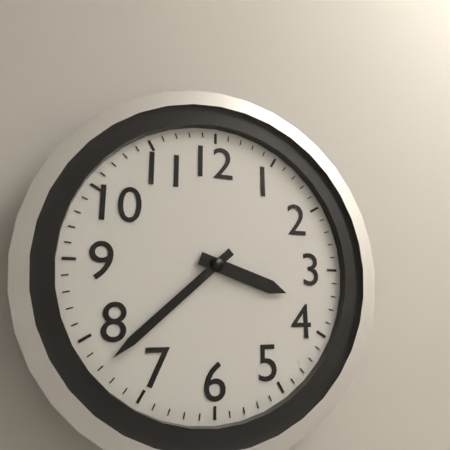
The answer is 3:38
